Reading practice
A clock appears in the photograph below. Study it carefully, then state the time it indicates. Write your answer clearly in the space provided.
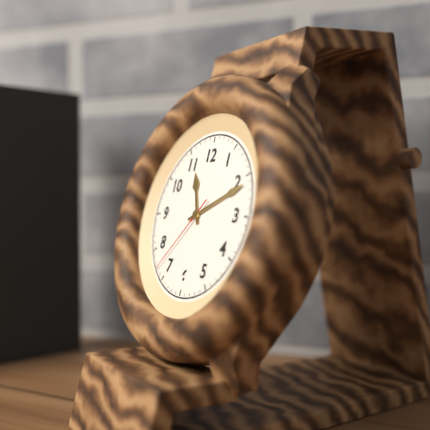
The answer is 11:11:37
